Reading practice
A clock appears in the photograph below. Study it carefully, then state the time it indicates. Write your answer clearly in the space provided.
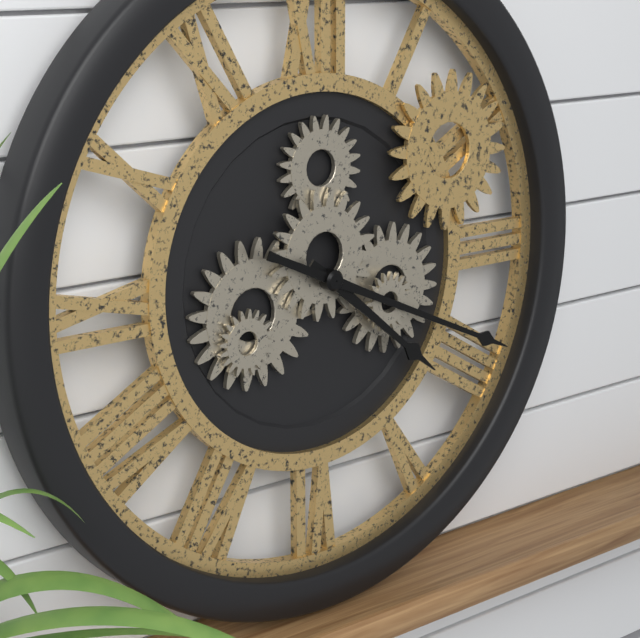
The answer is 4:19
